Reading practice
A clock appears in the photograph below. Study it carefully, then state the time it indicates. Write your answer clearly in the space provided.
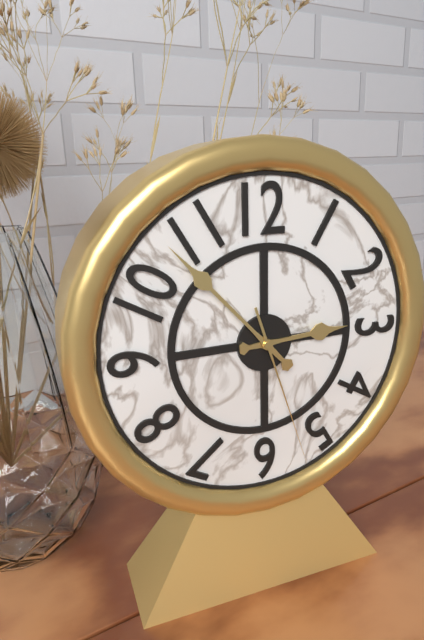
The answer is 2:53:27
